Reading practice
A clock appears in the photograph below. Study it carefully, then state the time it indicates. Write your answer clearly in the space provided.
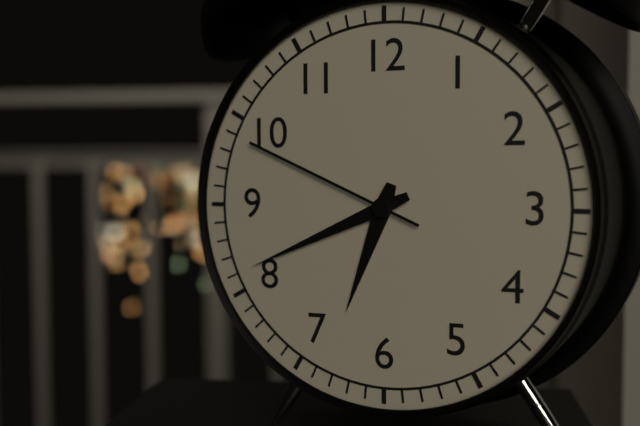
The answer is 6:41:49
